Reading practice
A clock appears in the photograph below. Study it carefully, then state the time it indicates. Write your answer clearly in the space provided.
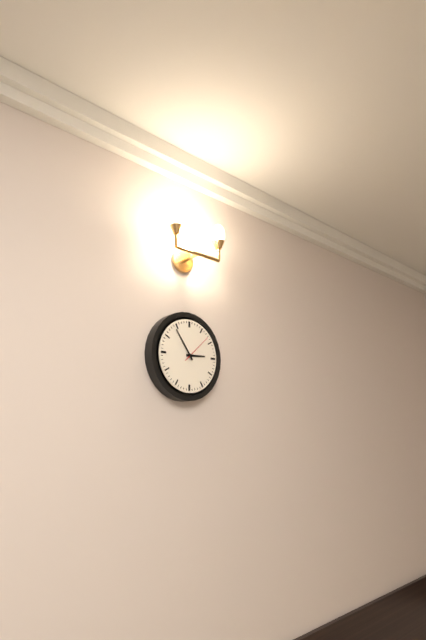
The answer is 2:54
